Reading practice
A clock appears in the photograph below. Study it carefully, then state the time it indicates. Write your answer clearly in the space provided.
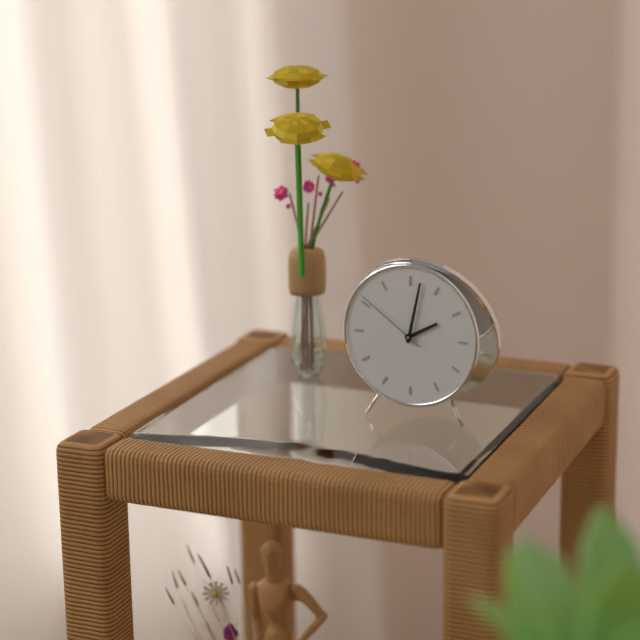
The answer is 2:02:51
